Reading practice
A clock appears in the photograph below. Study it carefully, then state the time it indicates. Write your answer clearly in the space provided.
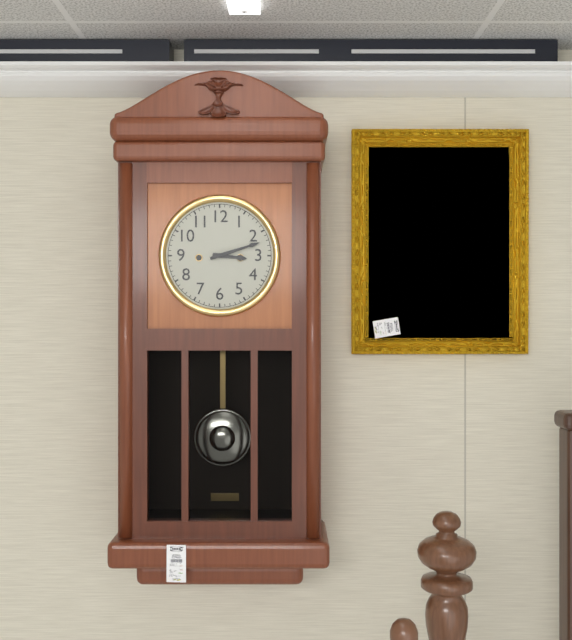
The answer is 3:12
